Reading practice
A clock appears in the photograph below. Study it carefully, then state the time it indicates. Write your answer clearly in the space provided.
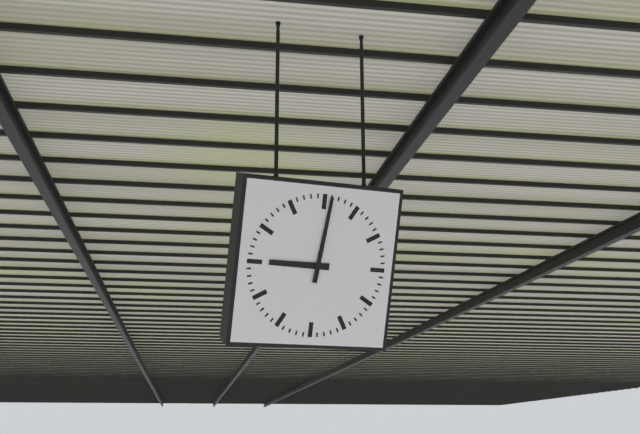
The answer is 9:01
